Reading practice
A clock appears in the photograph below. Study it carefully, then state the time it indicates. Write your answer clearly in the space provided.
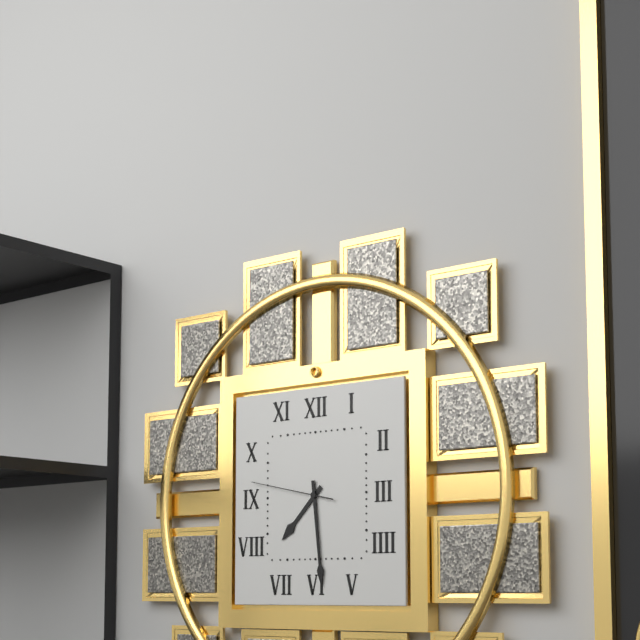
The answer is 7:29:47
